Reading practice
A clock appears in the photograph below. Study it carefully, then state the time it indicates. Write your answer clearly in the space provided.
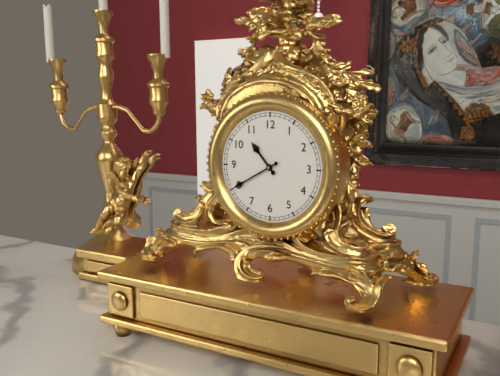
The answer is 10:40
